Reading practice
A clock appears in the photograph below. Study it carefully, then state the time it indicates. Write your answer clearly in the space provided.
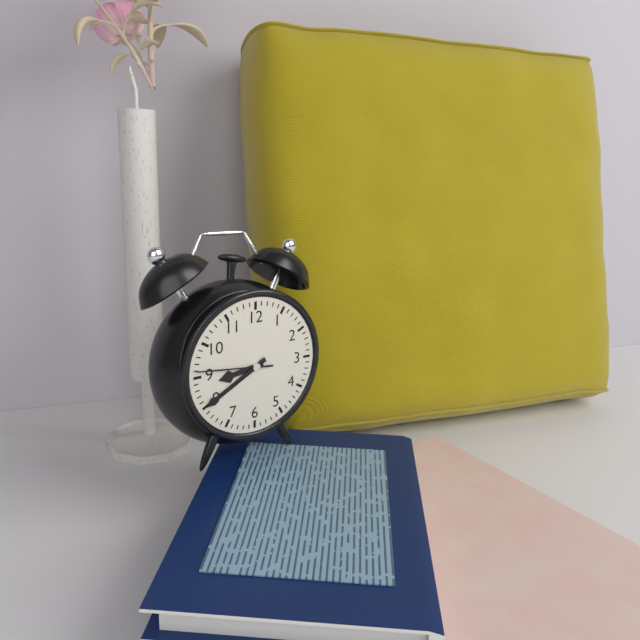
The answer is 8:40:46
